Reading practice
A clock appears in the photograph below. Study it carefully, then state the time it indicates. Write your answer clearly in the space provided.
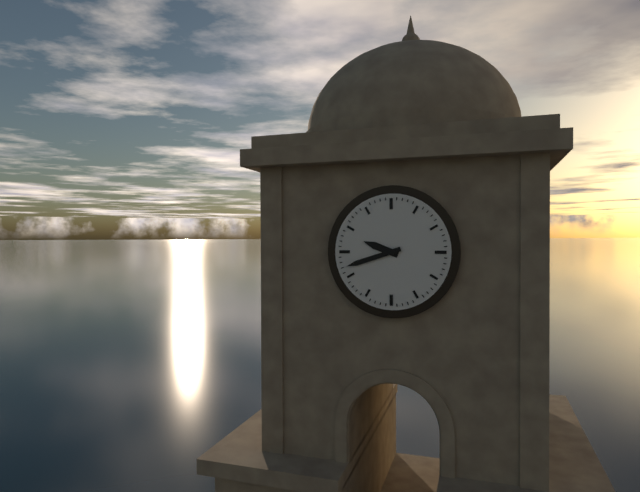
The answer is 9:42
